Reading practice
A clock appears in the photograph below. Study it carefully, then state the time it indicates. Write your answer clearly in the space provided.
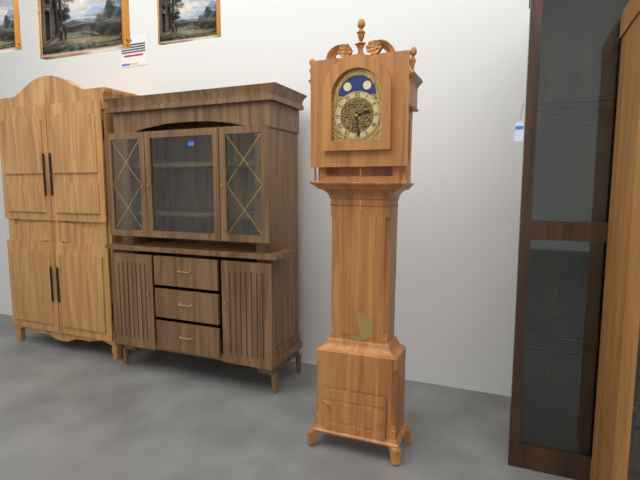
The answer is 2:29
